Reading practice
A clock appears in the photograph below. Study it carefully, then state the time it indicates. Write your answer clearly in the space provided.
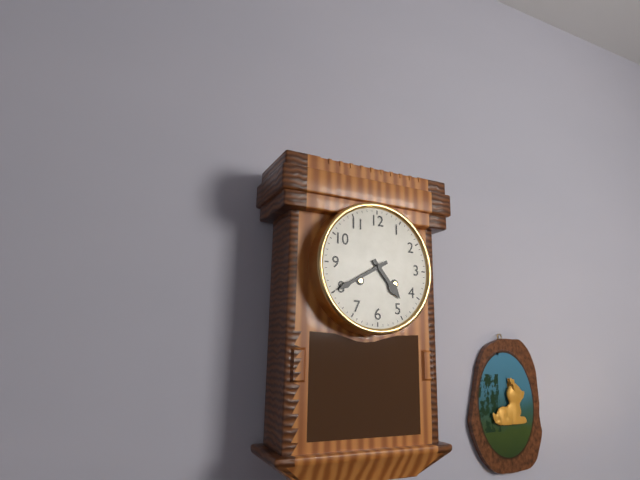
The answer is 4:40
